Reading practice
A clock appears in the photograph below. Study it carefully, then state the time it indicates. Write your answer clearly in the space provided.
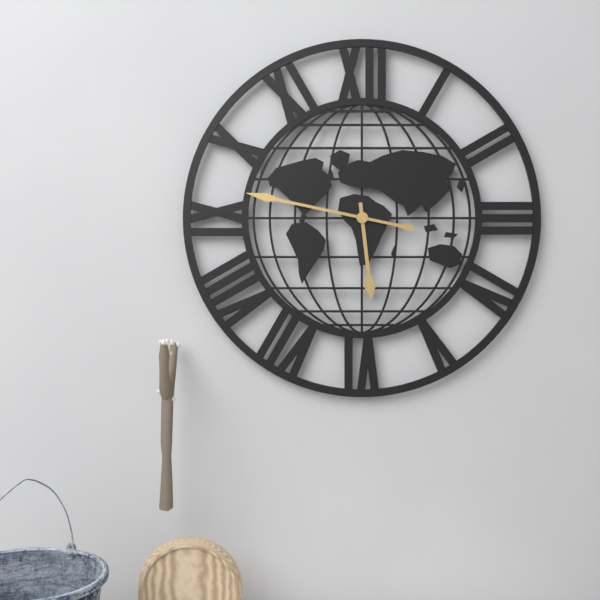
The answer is 5:47
